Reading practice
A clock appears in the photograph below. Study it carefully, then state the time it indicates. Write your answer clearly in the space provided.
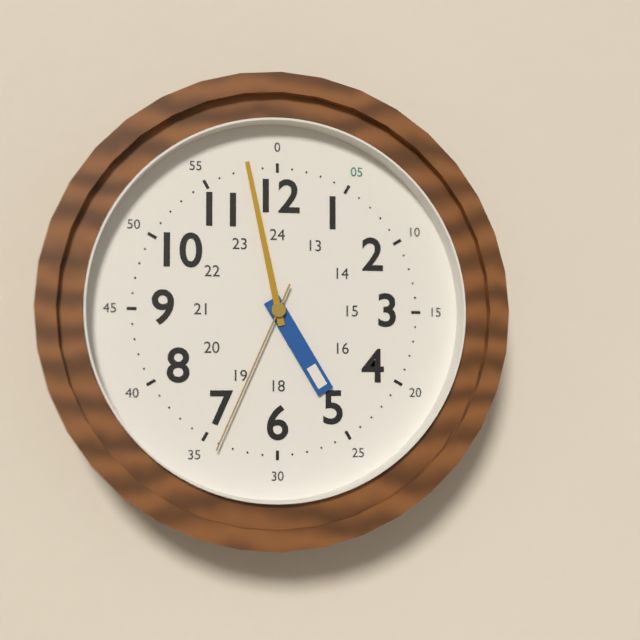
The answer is 4:58:34
